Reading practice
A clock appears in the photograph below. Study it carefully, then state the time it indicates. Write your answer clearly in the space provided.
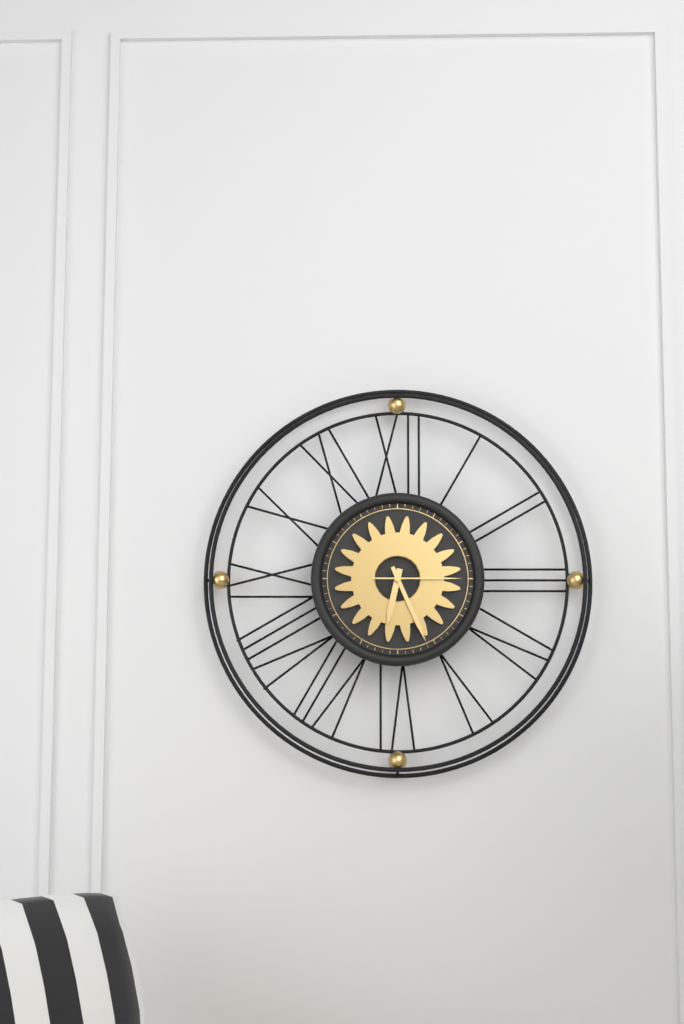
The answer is 6:26:15
